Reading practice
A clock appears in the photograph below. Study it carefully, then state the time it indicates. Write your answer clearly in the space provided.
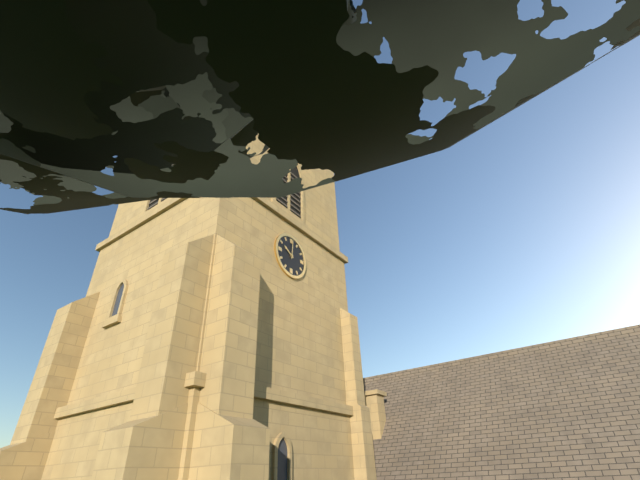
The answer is 10:01
